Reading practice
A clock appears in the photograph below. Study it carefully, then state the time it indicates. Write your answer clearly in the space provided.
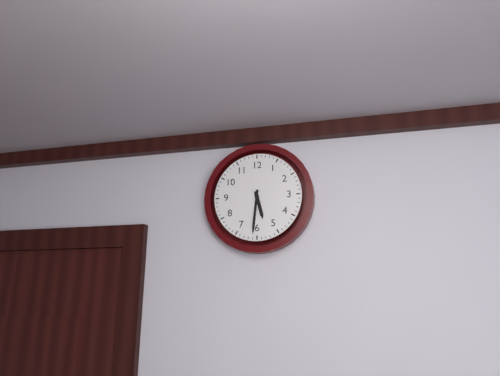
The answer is 5:31
